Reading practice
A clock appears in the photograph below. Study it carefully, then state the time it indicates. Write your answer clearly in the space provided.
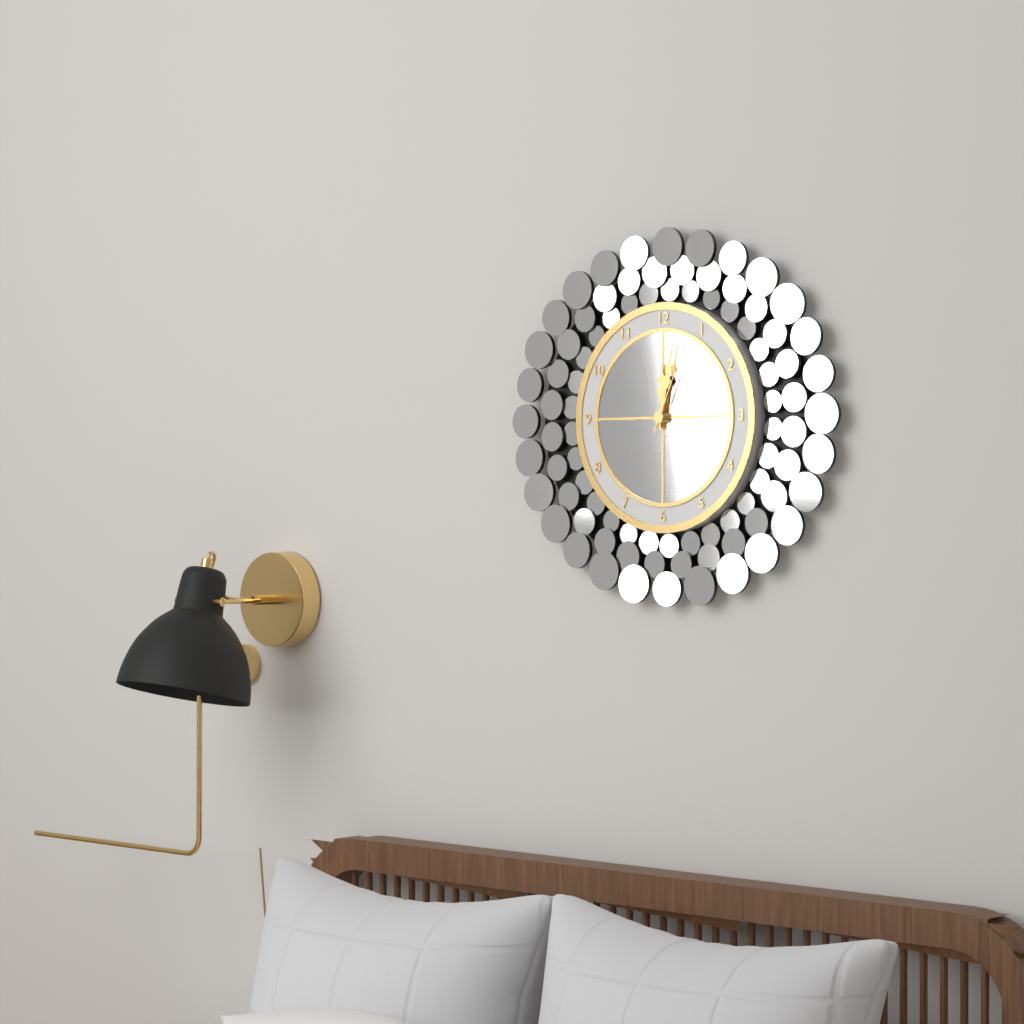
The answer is 12:02:04
